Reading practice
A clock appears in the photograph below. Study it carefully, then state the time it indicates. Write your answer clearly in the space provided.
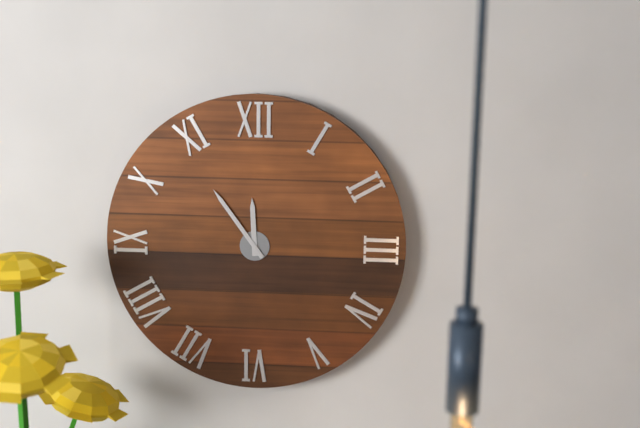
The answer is 11:54
